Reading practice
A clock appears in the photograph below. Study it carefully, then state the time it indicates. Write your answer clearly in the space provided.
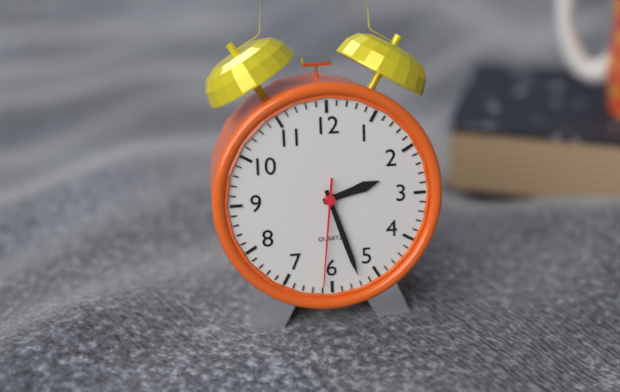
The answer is 2:27:31
